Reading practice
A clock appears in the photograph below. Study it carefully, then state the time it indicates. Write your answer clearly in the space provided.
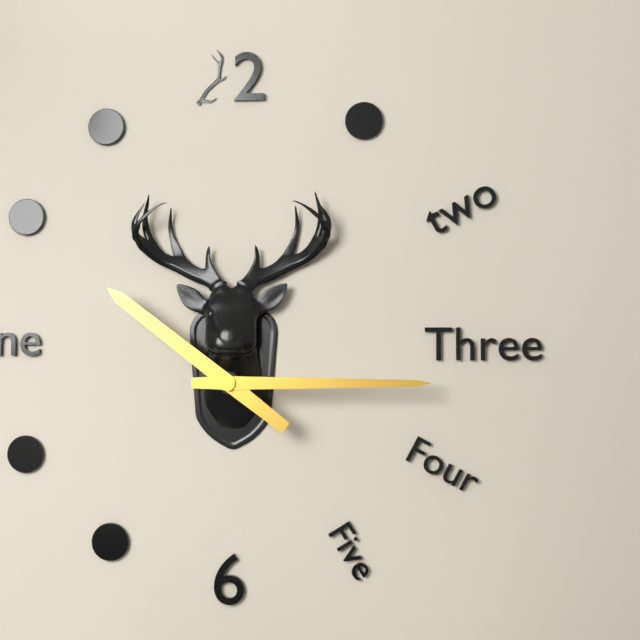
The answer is 10:15
